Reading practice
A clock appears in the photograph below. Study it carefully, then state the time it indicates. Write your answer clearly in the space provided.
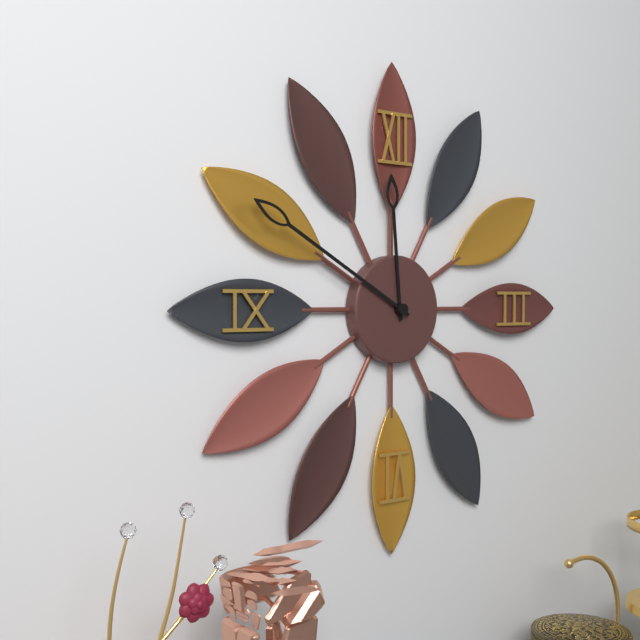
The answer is 11:50
